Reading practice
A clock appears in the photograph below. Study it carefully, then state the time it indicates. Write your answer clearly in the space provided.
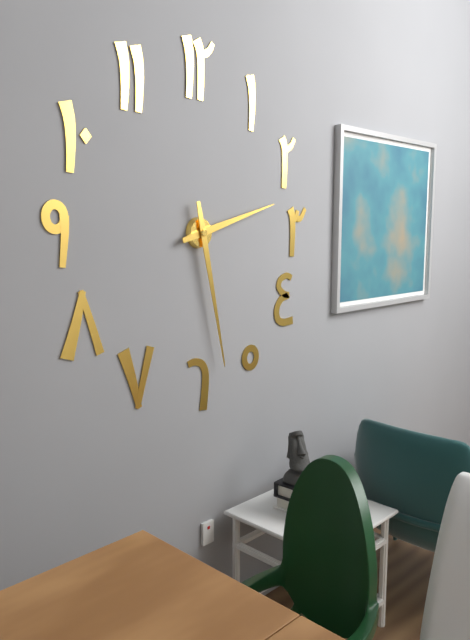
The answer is 2:28
